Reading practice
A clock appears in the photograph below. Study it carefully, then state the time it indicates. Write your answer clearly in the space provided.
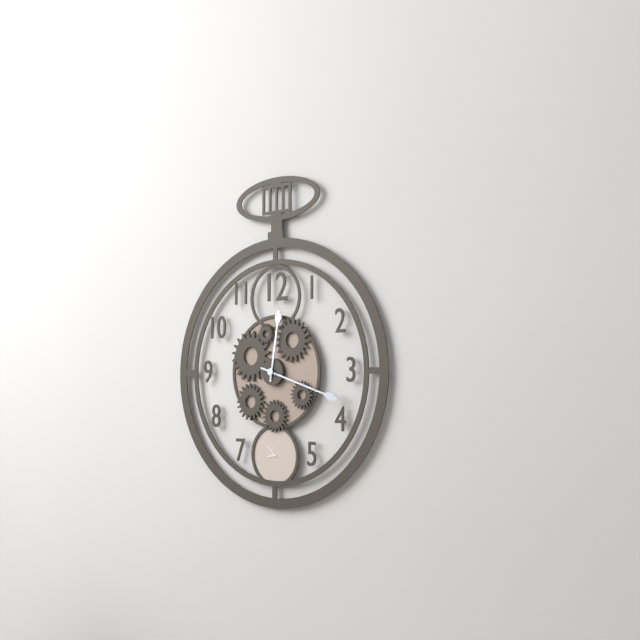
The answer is 12:18
